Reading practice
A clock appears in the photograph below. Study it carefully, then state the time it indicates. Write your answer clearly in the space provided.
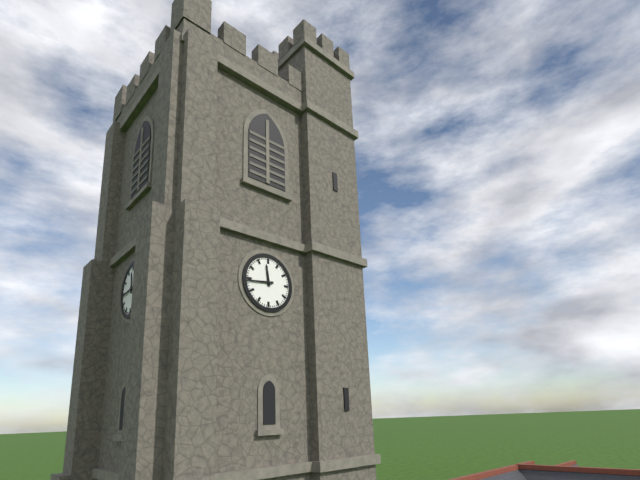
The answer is 11:44
